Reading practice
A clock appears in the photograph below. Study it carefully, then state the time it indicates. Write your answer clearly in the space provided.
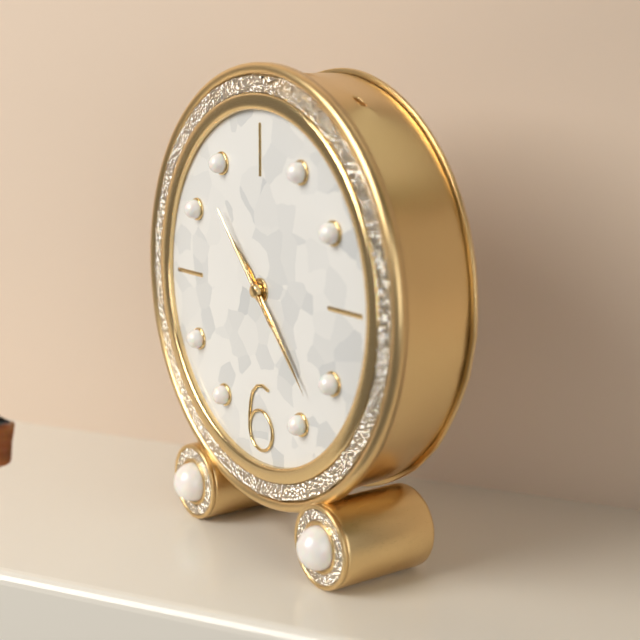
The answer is 10:23:53
